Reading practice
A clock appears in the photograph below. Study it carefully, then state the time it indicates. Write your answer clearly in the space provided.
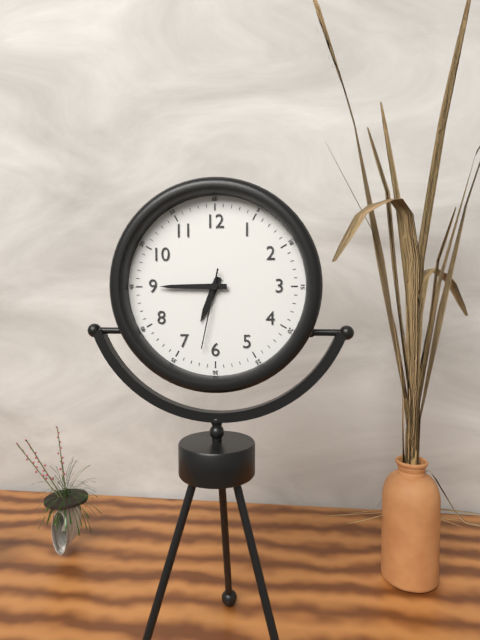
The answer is 6:45:32
